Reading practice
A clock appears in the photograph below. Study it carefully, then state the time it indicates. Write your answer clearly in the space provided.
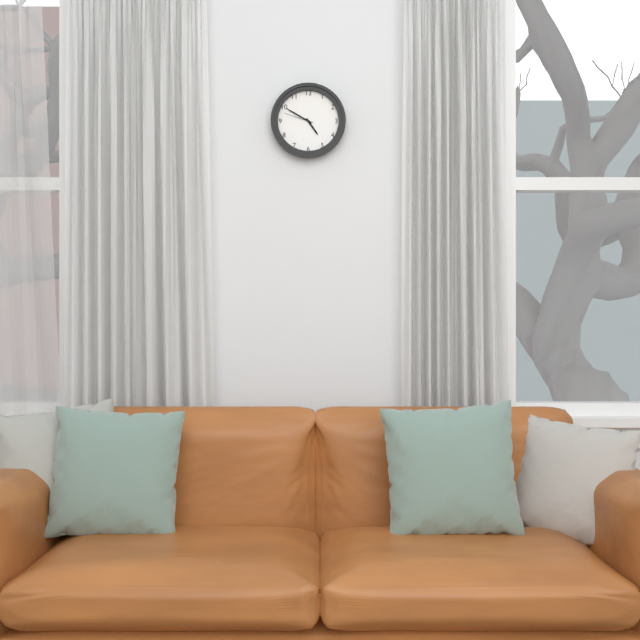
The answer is 4:50
